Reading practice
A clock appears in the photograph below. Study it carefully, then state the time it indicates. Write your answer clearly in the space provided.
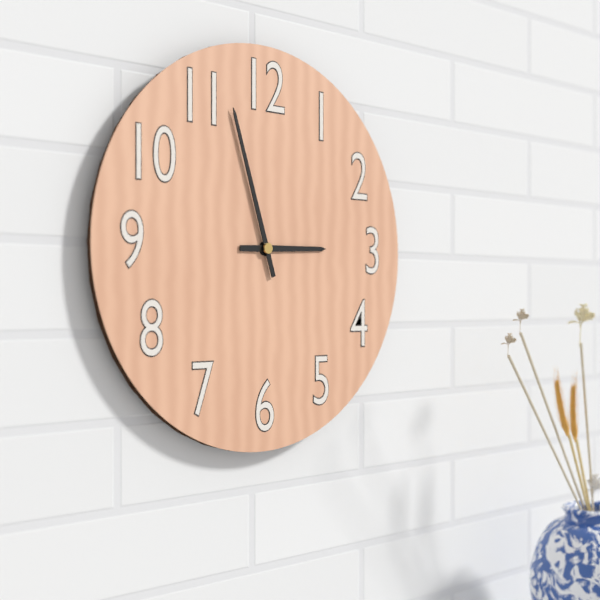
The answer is 2:57
